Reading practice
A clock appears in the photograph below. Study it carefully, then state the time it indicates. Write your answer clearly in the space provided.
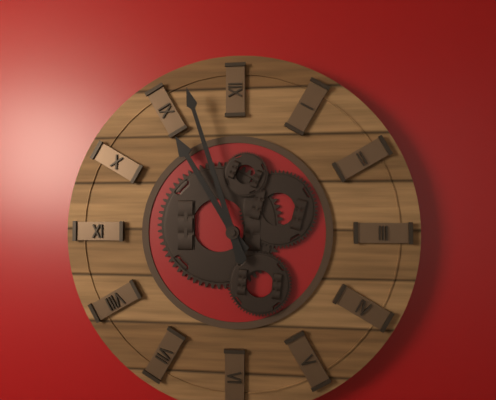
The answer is 10:57
